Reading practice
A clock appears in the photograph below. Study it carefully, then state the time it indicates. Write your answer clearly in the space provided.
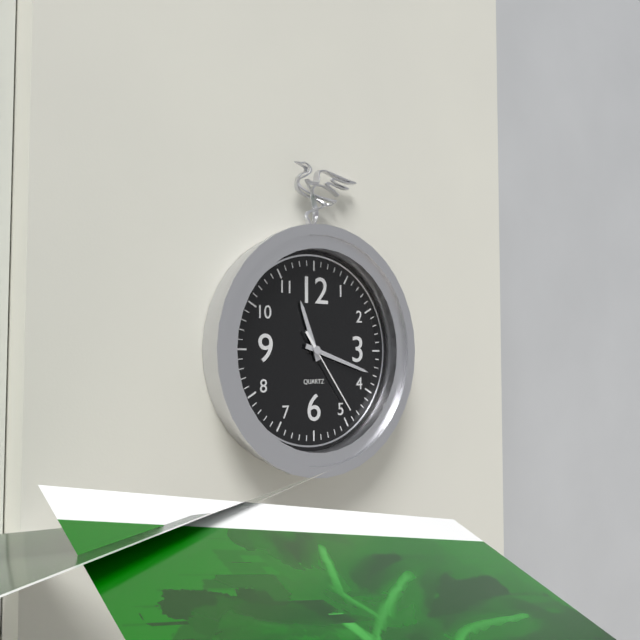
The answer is 11:18:24
